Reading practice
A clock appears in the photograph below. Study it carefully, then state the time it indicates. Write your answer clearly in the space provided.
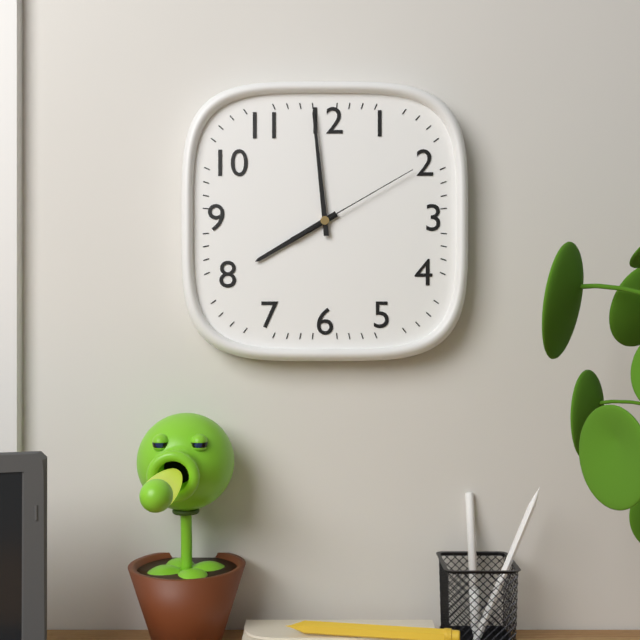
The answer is 7:59:10
